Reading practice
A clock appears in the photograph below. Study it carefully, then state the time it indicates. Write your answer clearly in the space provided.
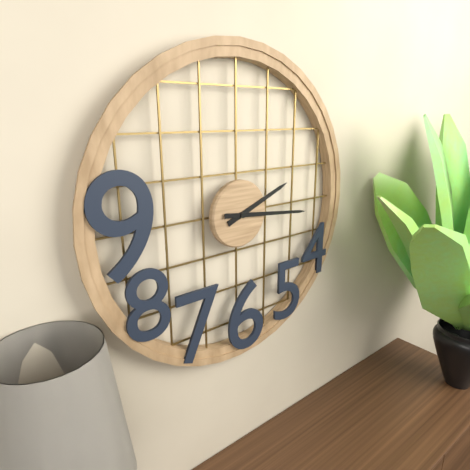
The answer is 2:16
